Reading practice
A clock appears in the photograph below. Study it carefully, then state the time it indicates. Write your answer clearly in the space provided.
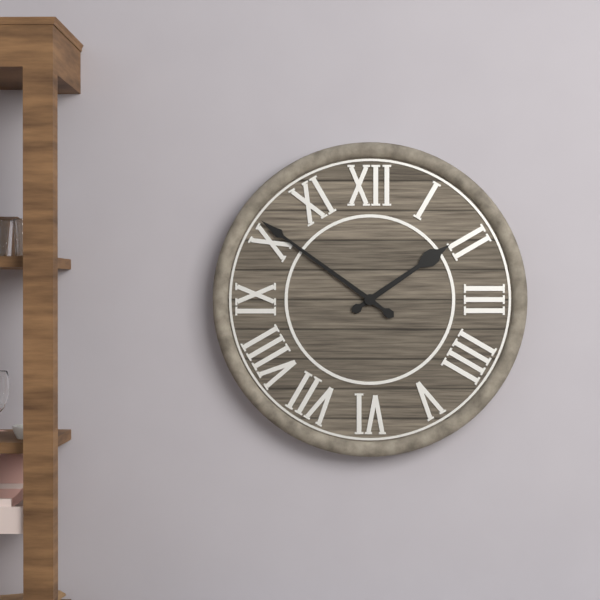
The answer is 1:51
